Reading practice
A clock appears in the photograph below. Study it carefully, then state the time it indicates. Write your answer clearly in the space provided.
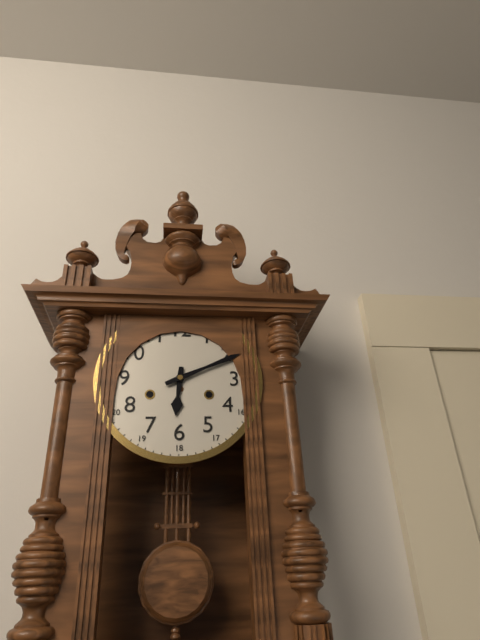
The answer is 6:11
